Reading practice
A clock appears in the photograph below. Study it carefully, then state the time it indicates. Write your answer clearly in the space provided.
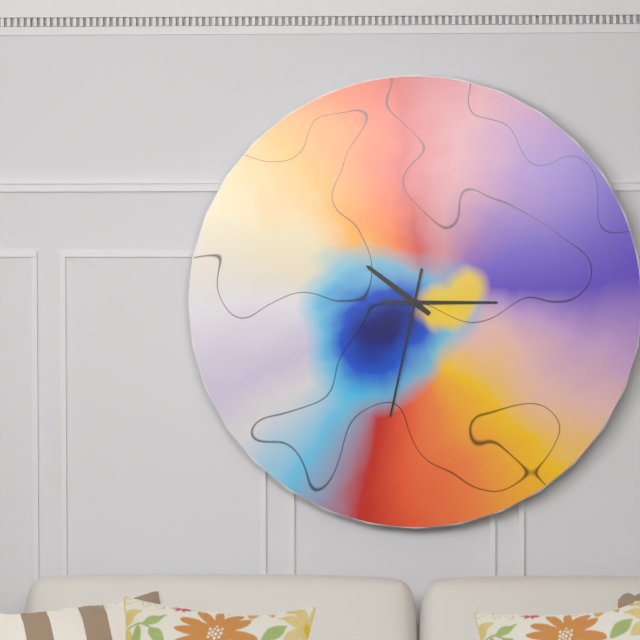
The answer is 10:15:32
